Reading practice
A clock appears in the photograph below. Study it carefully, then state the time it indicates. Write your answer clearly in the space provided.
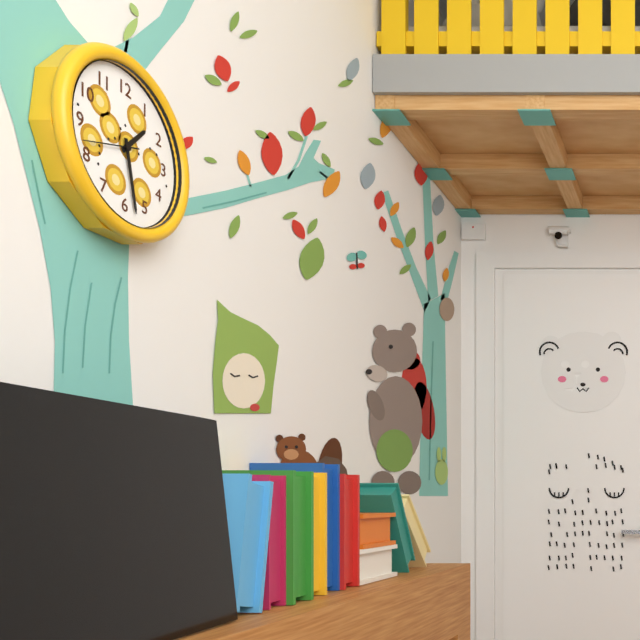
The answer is 1:28:42
